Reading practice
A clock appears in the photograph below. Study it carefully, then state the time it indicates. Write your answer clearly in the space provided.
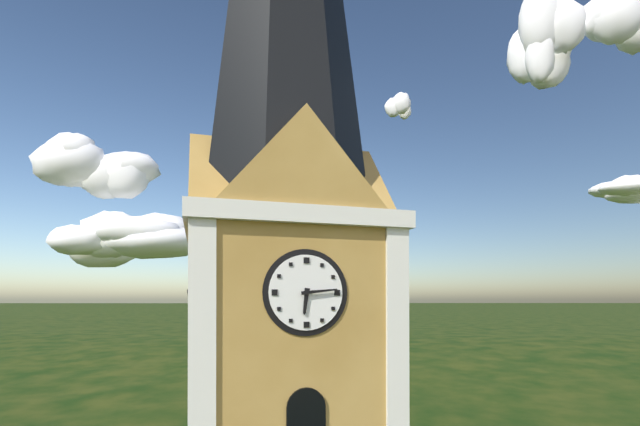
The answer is 6:14
